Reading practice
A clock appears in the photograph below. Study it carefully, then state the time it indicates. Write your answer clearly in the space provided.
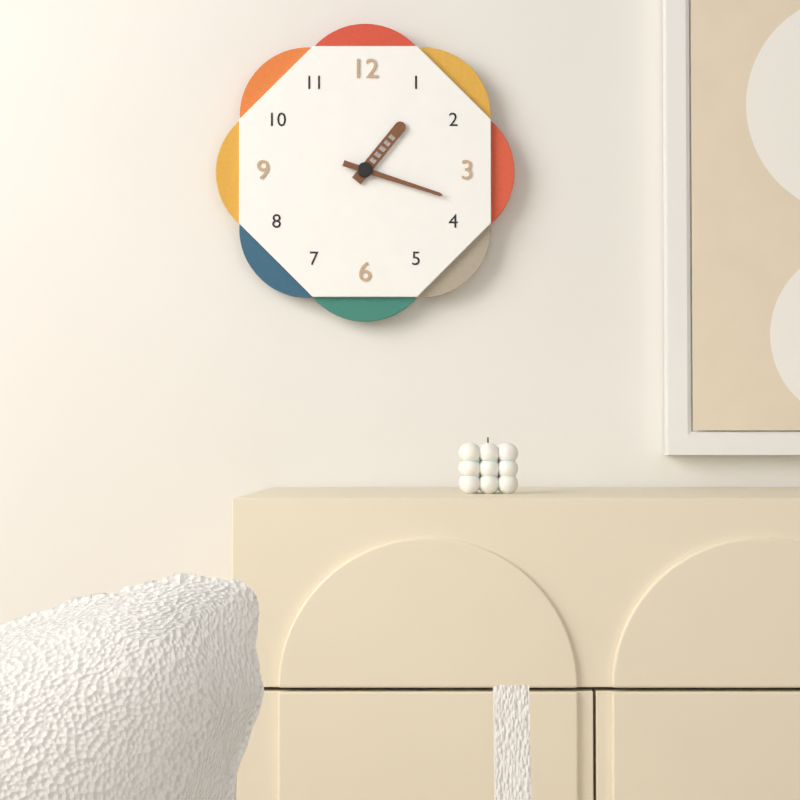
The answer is 1:18
